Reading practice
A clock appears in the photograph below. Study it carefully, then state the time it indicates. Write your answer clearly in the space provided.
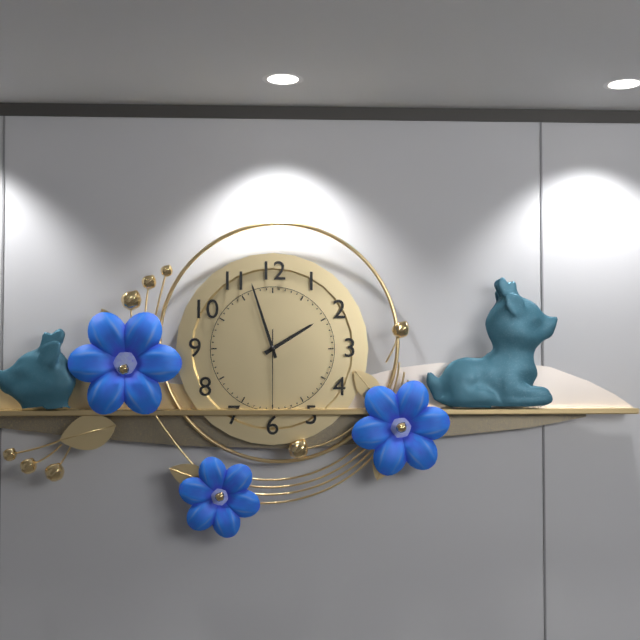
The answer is 1:57:30
